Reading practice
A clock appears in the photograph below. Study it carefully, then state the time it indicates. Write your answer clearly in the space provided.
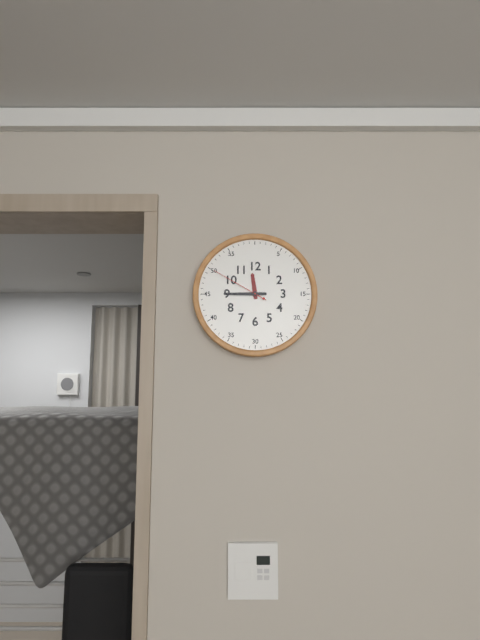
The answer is 11:45:50
